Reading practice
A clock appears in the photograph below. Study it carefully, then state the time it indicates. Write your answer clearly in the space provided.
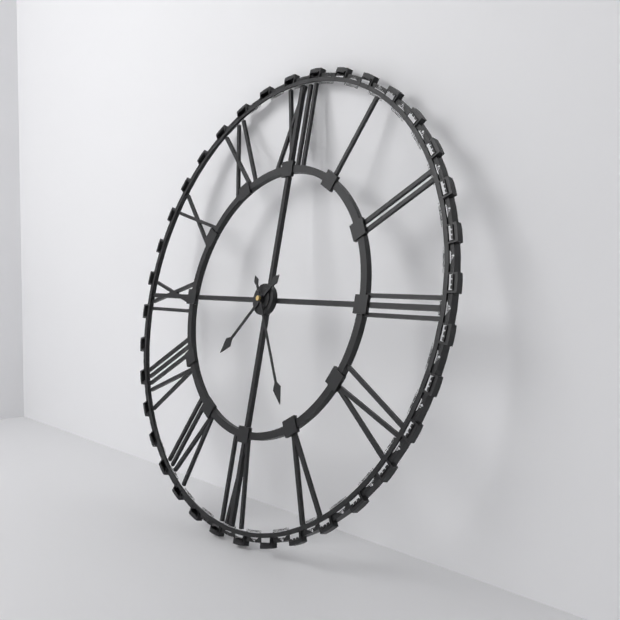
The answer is 7:25
